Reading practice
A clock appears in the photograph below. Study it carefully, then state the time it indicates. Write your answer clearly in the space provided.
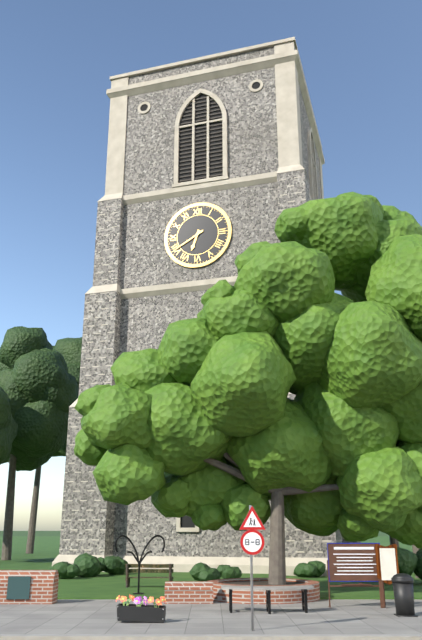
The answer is 6:40
